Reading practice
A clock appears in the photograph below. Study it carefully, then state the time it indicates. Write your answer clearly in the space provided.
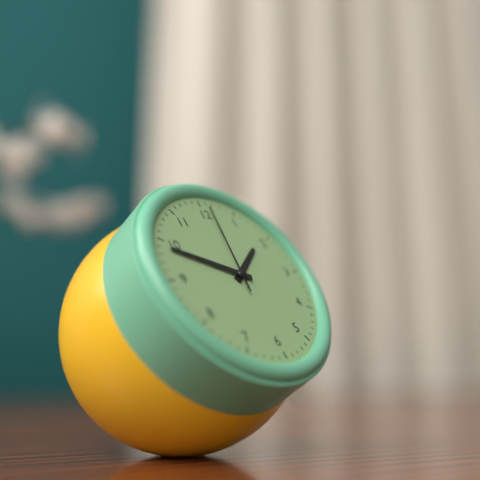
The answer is 1:49:01
